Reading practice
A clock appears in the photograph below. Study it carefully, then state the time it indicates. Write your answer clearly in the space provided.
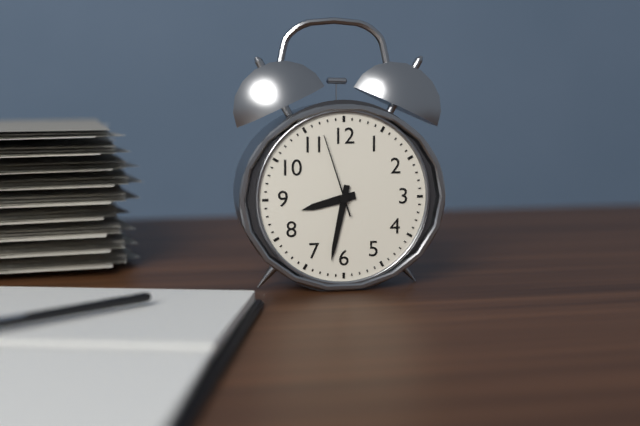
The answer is 8:32:57
